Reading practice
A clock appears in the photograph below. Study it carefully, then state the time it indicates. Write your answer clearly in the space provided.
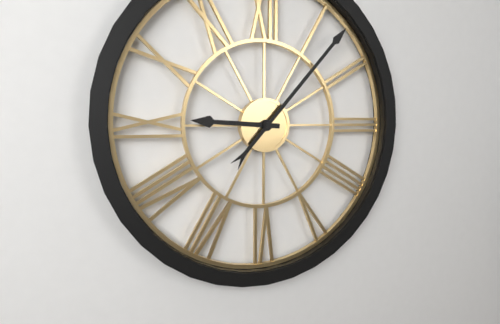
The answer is 9:07
